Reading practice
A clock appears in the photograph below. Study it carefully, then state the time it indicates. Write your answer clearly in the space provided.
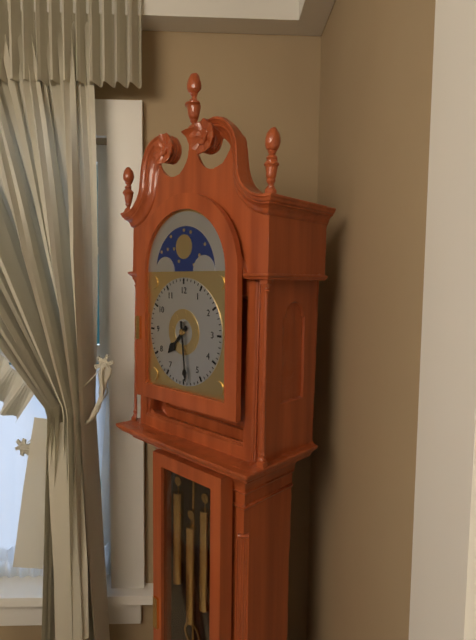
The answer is 7:29
